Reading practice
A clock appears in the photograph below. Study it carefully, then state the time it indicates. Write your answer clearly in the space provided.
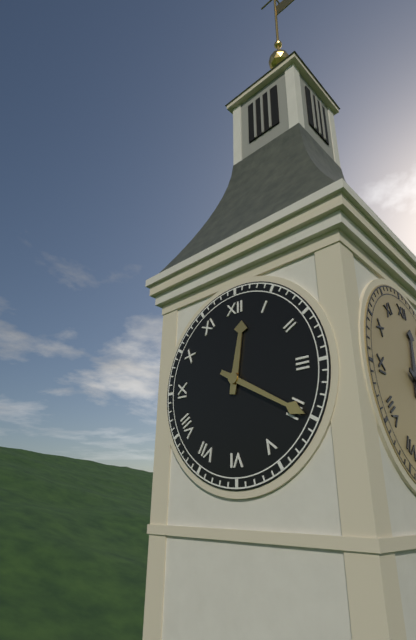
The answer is 12:20
